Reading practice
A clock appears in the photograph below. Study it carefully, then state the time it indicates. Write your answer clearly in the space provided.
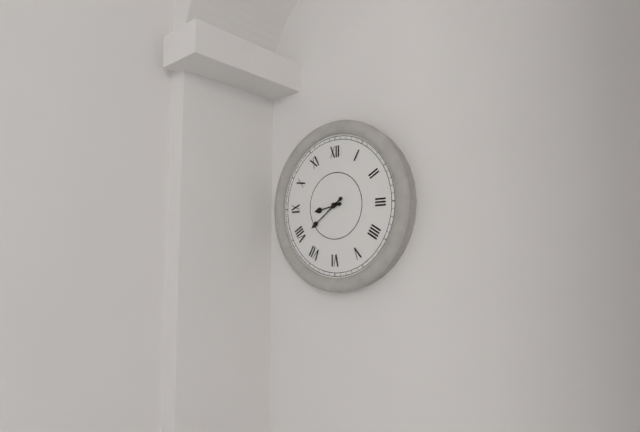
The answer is 8:39
